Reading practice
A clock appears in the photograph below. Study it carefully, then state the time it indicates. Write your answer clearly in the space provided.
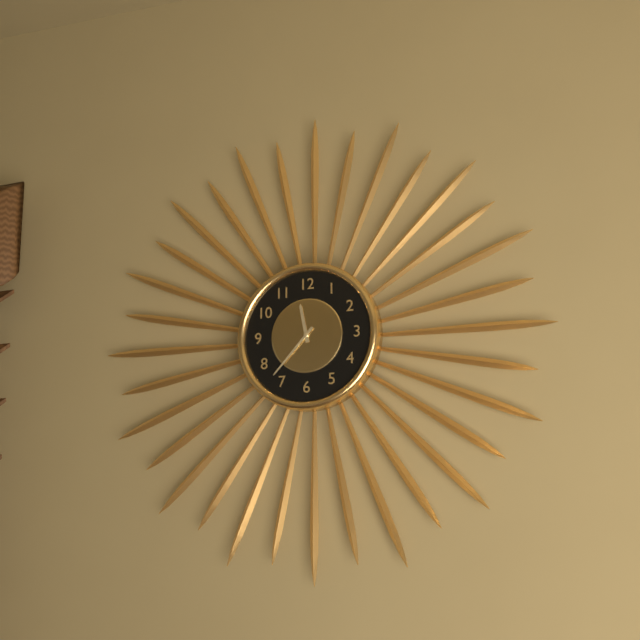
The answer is 11:37
